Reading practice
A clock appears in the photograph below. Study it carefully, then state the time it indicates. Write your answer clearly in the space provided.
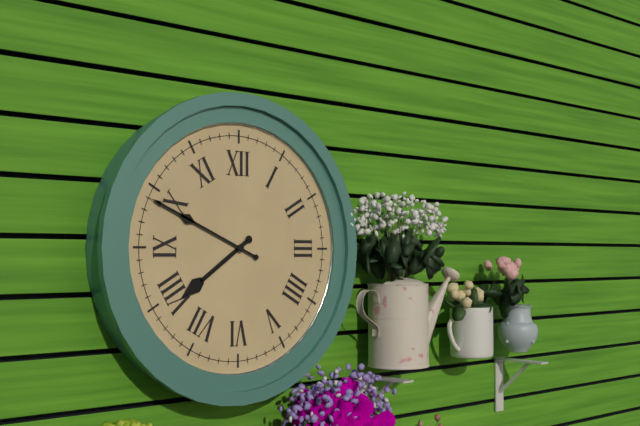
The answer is 7:49
